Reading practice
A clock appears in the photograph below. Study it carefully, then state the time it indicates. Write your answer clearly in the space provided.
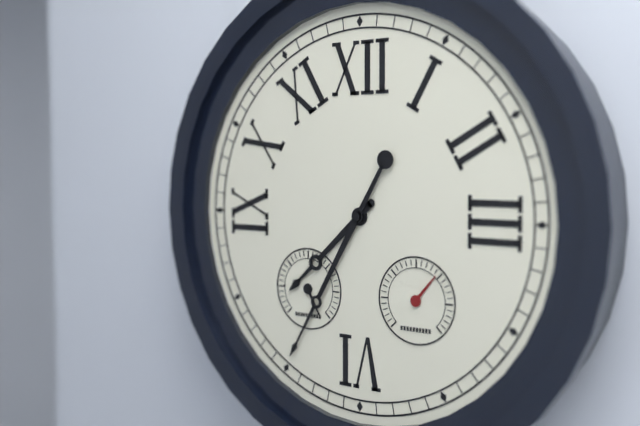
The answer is 7:35
